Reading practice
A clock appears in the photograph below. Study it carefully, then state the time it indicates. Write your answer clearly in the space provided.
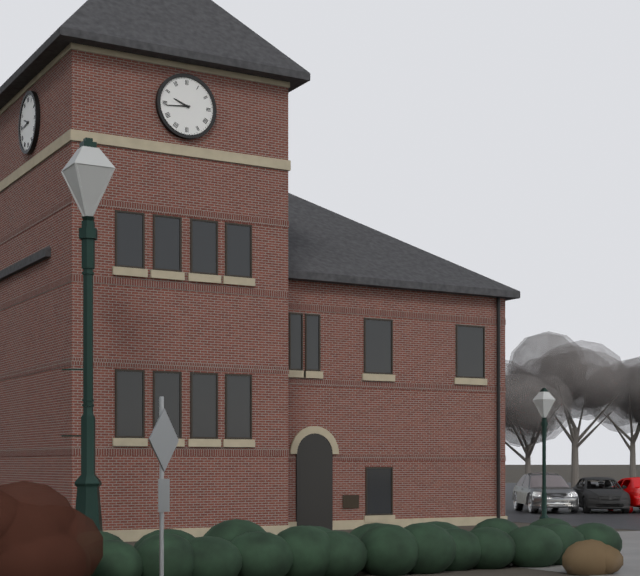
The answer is 9:44
